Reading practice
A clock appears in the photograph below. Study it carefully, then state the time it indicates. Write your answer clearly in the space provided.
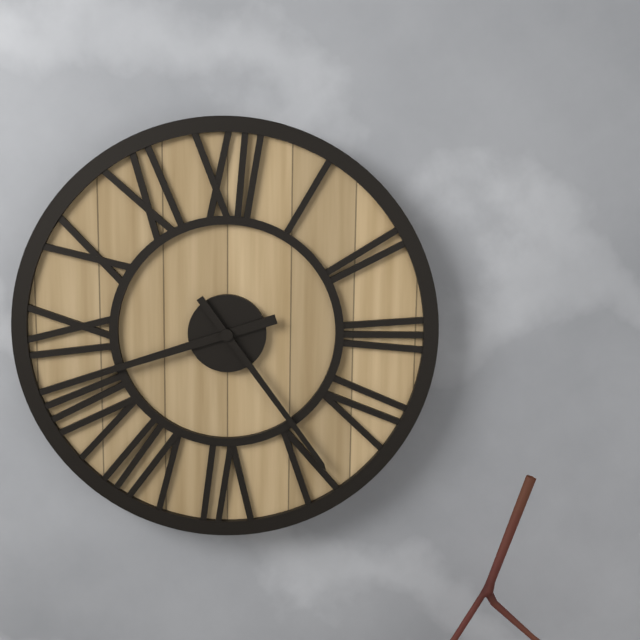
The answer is 8:24
